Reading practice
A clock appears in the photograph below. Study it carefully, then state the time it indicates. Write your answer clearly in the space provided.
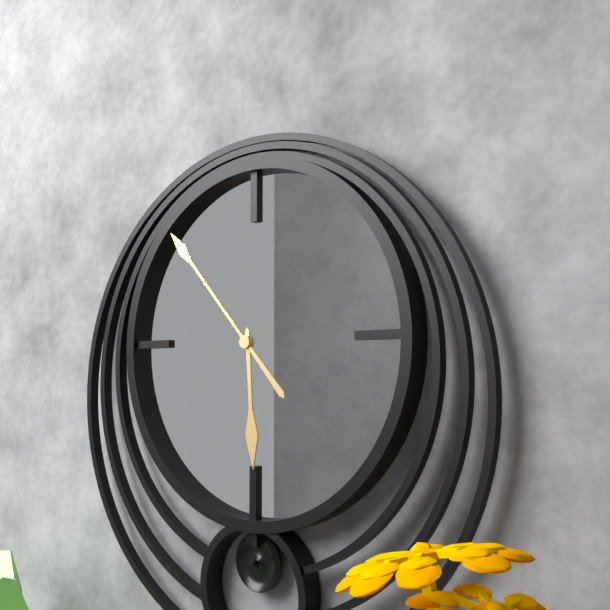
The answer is 5:53
